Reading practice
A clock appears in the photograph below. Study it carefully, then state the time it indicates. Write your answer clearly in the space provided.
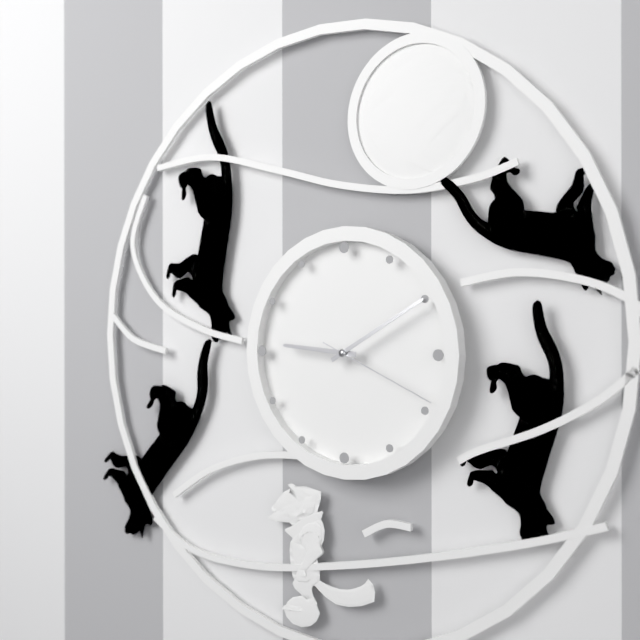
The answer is 9:10:19
